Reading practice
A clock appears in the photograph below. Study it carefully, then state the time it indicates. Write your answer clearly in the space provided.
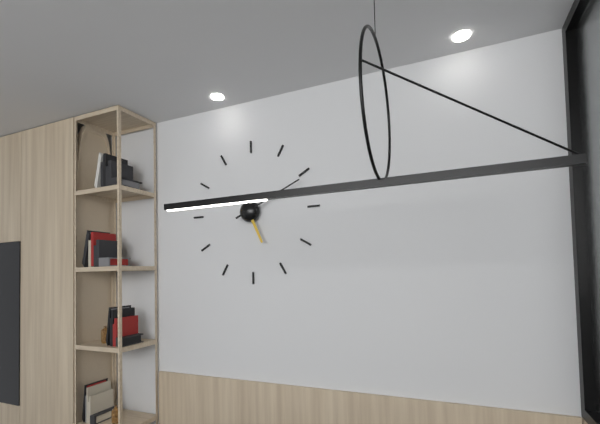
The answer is 5:11
